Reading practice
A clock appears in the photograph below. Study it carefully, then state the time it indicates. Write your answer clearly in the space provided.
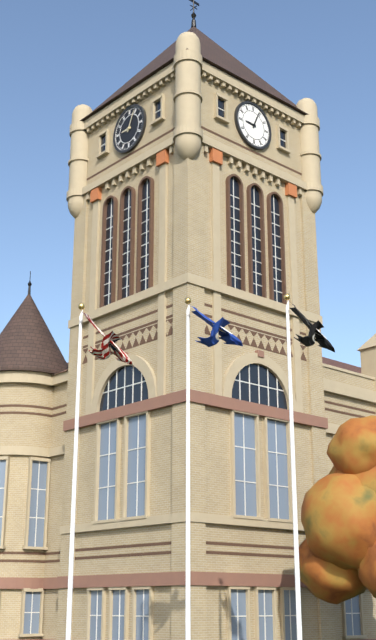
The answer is 9:04
